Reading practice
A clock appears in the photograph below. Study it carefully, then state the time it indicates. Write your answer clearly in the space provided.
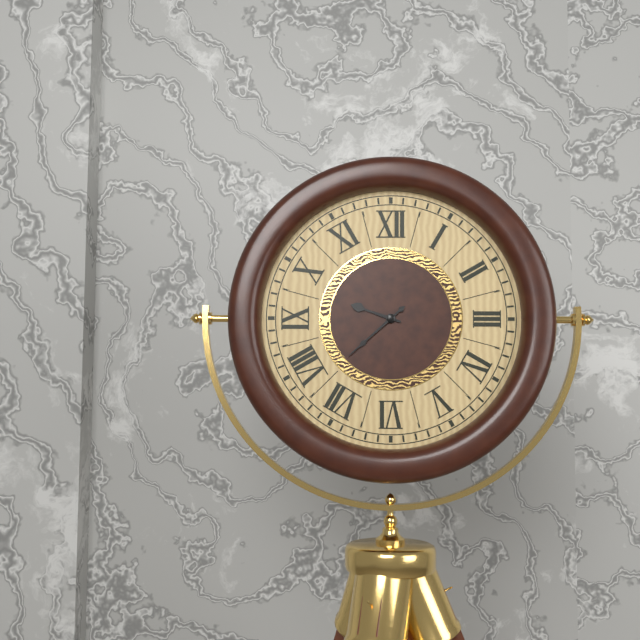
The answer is 9:38
